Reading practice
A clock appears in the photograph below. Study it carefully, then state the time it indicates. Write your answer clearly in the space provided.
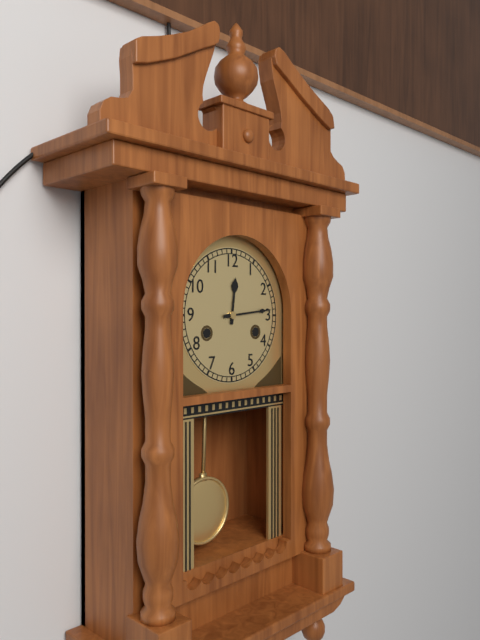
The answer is 12:14
